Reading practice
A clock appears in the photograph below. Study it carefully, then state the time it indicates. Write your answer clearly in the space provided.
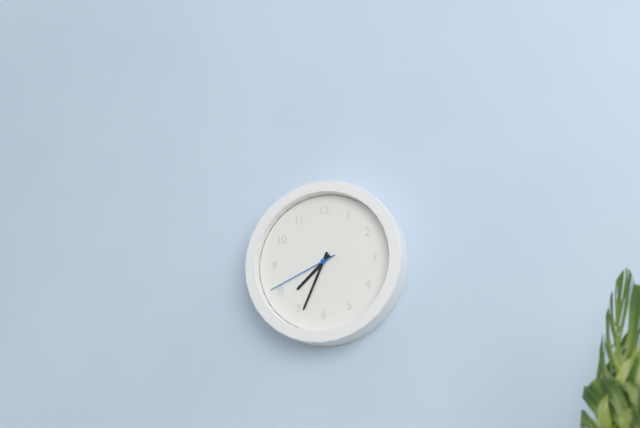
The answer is 7:34:41
